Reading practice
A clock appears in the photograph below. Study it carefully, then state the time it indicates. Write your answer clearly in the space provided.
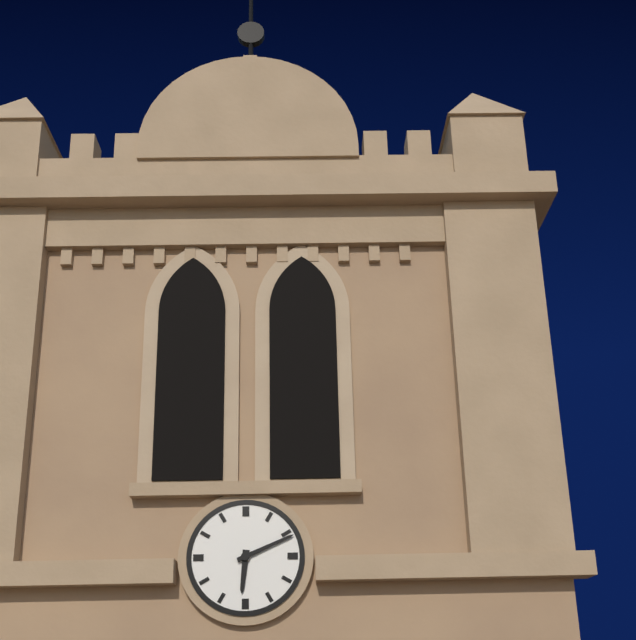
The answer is 6:11
